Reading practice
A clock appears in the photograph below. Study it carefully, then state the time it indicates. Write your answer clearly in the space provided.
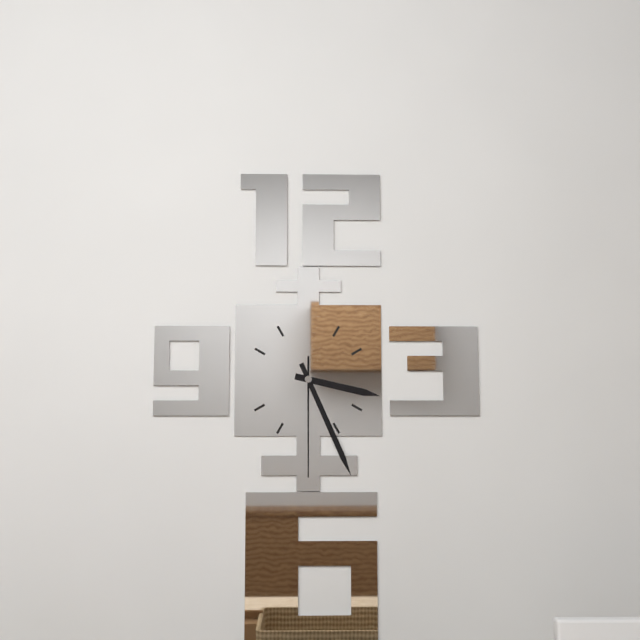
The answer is 3:26:30
